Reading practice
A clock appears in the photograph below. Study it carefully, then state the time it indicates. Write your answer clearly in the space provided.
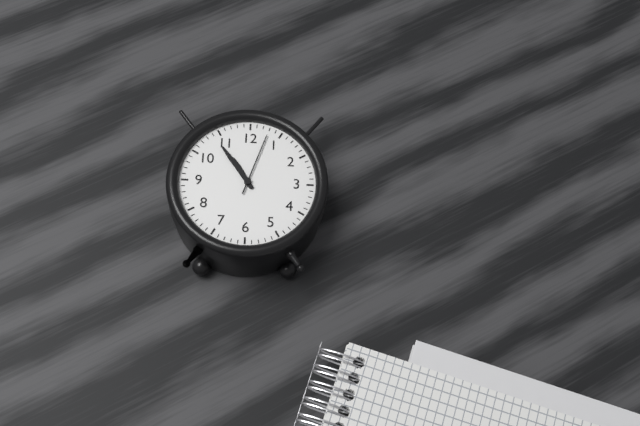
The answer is 10:54:03
